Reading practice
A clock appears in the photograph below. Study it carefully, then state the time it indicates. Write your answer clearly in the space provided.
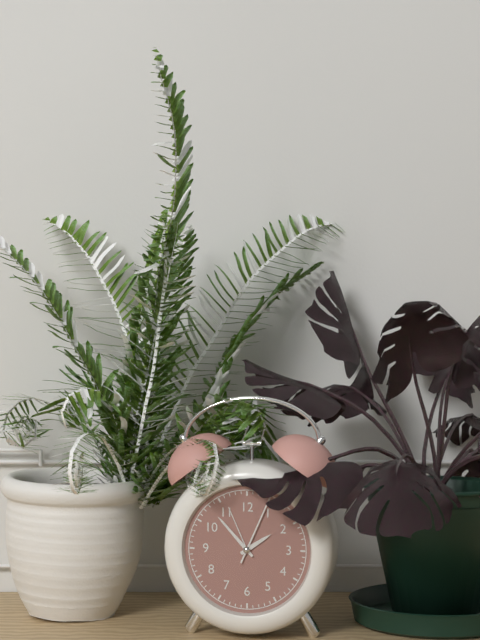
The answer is 1:53
